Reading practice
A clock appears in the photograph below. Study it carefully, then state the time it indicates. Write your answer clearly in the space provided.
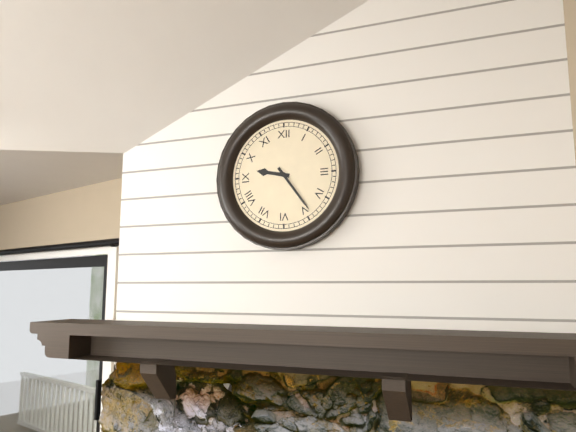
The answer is 9:24
